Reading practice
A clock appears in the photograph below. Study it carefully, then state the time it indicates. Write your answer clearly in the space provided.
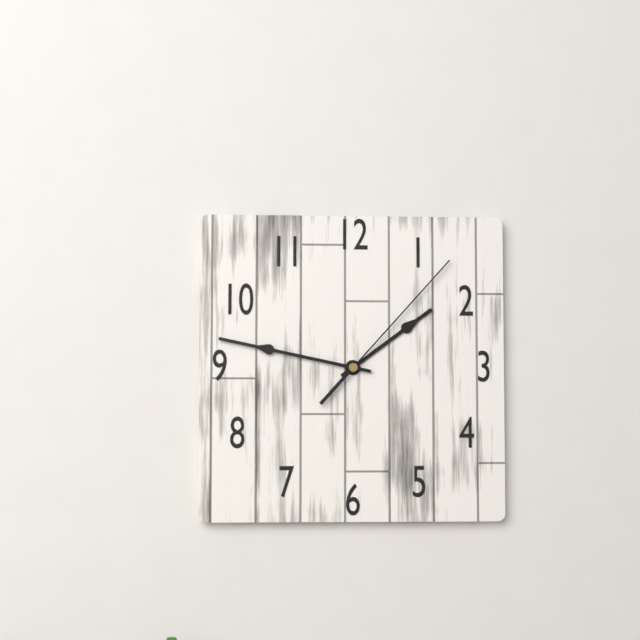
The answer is 1:47:07
